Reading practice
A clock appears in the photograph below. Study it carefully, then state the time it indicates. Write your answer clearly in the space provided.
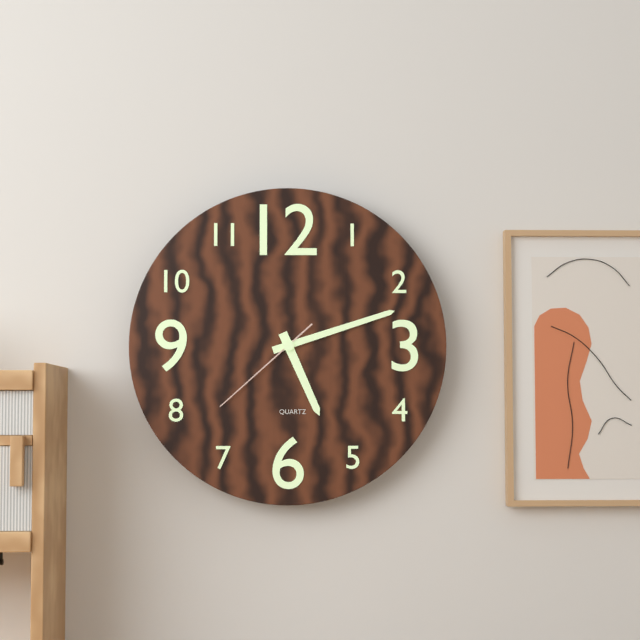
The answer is 5:12:38
